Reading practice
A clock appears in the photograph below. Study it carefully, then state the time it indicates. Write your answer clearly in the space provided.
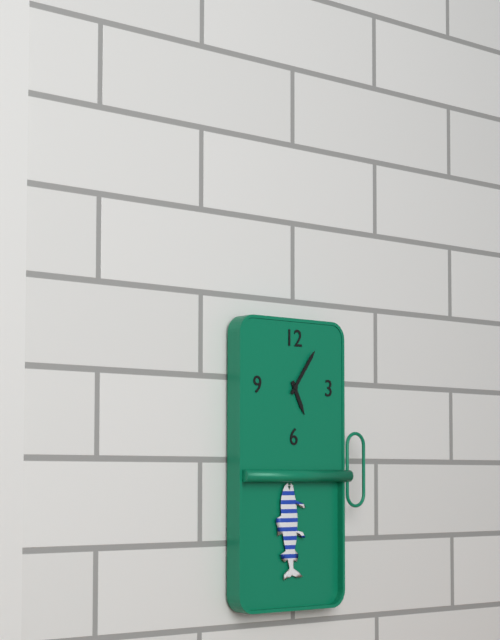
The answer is 5:06
